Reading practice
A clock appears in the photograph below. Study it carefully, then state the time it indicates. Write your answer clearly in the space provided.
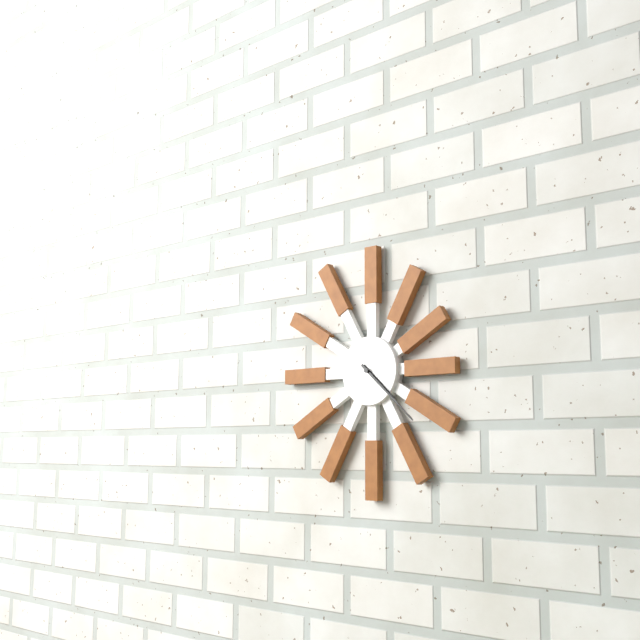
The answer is 4:22
